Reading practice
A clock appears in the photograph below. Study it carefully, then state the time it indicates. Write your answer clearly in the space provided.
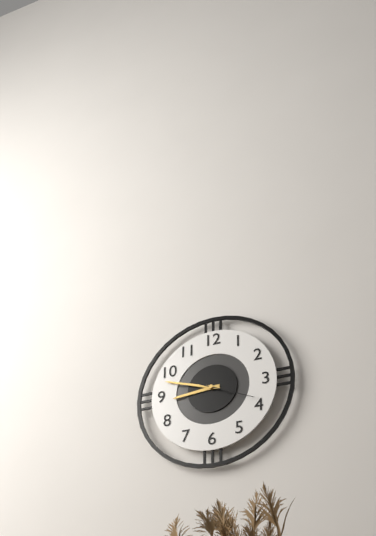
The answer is 8:48
